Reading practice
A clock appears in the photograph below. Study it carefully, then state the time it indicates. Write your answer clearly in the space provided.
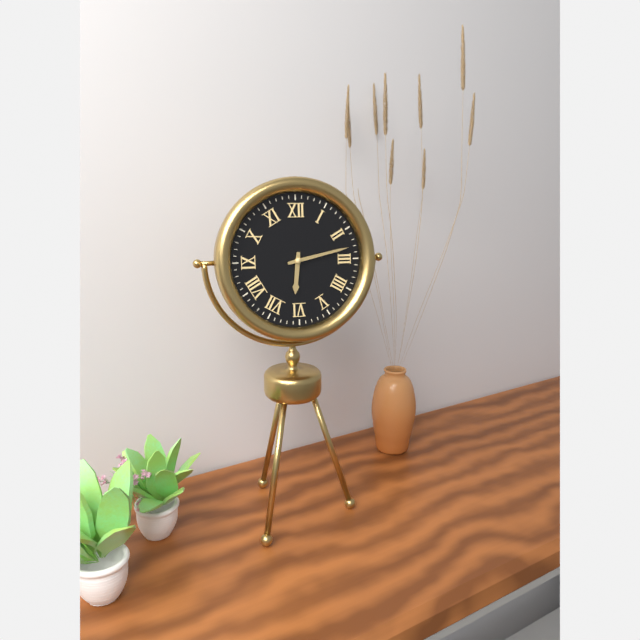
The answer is 6:13
